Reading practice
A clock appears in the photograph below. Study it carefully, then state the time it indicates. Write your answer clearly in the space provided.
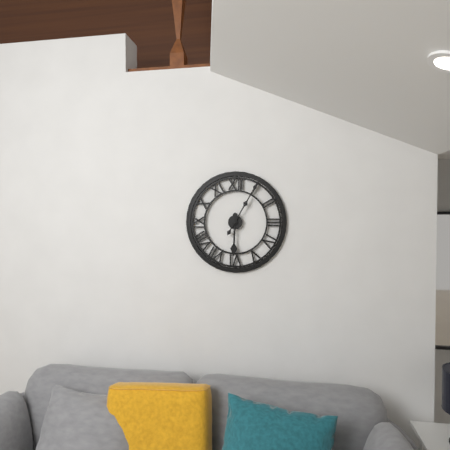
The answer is 6:05
